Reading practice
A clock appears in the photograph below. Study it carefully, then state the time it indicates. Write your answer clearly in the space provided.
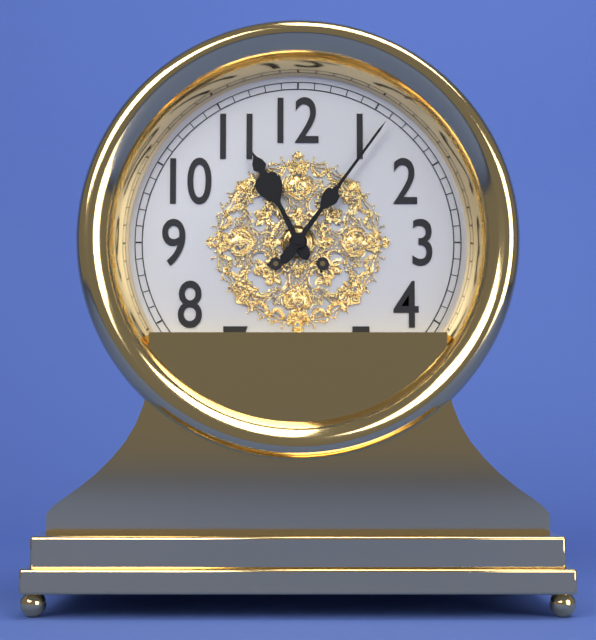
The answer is 11:06
